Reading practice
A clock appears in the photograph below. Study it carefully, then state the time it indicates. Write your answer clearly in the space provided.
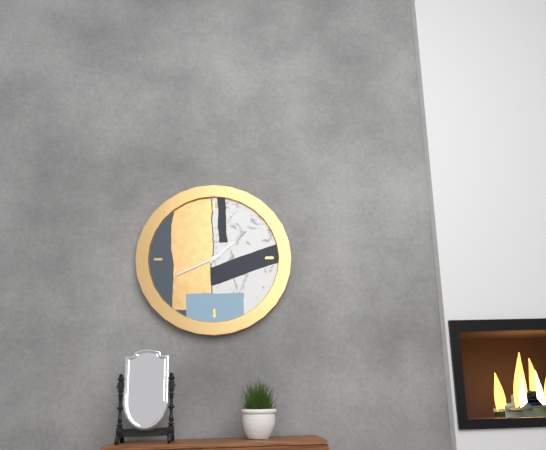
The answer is 1:41
